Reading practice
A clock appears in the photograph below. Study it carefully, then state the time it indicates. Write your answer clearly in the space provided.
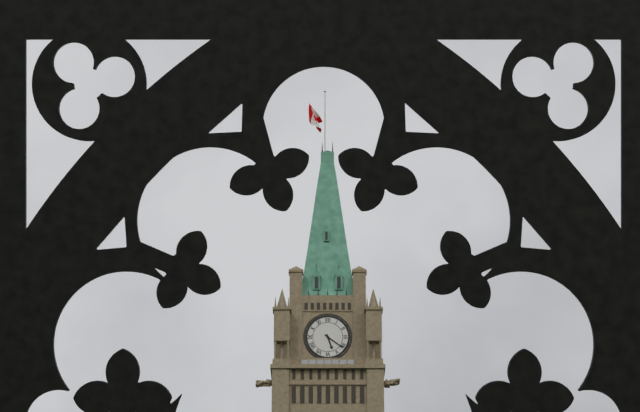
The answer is 5:21
